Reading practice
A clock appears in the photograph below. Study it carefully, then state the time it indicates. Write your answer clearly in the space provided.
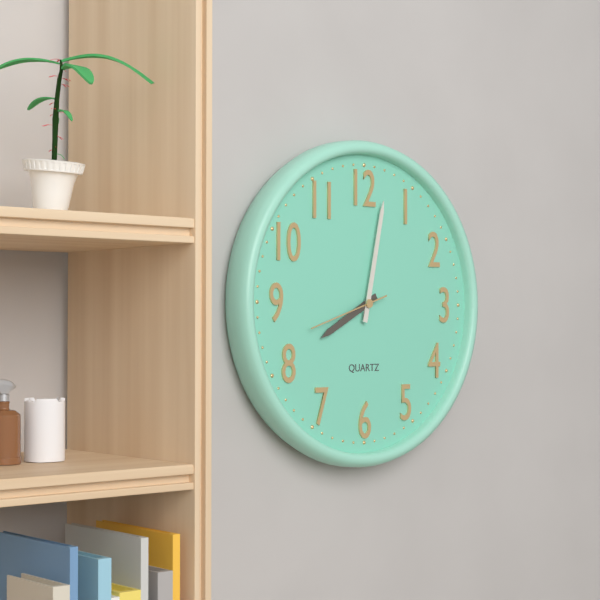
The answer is 8:02:42
